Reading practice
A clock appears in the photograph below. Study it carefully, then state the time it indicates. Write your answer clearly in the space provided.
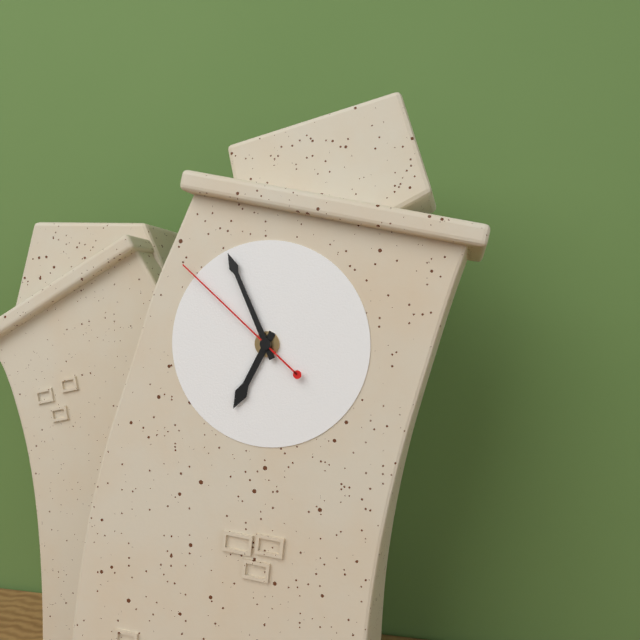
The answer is 6:56:52
